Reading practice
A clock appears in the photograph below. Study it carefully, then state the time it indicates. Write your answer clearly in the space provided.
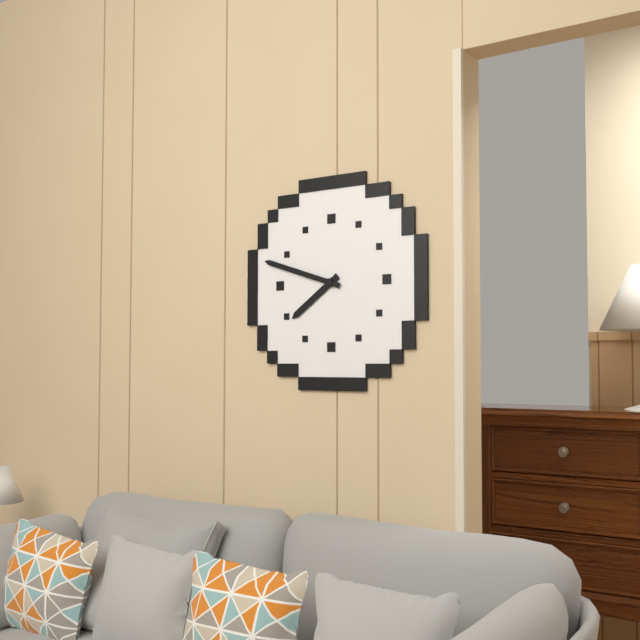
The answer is 7:48
